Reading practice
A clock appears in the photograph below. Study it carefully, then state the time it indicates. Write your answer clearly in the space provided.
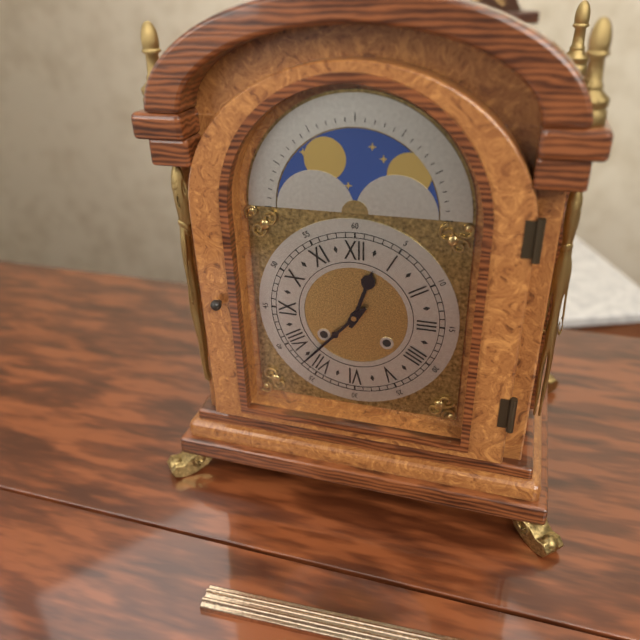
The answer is 12:37
